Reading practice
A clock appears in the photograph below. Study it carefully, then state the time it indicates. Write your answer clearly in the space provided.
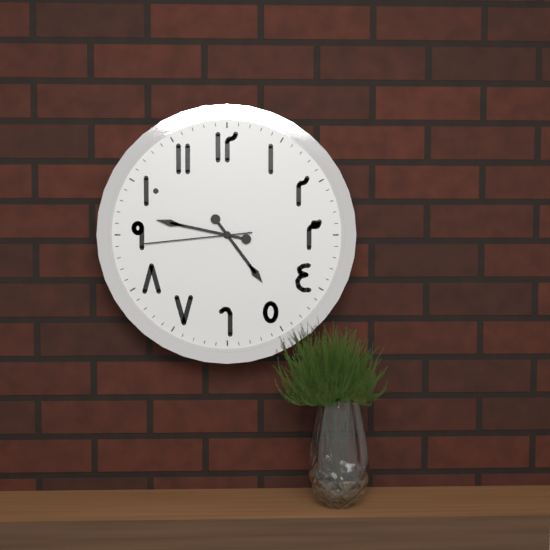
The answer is 4:47:44
